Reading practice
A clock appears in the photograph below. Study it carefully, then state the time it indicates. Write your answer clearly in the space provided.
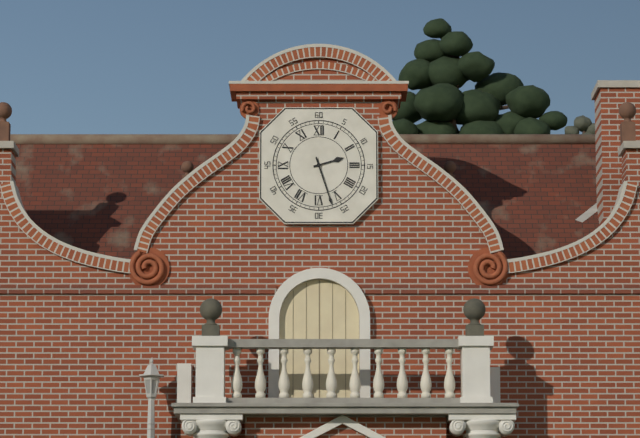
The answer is 2:27
